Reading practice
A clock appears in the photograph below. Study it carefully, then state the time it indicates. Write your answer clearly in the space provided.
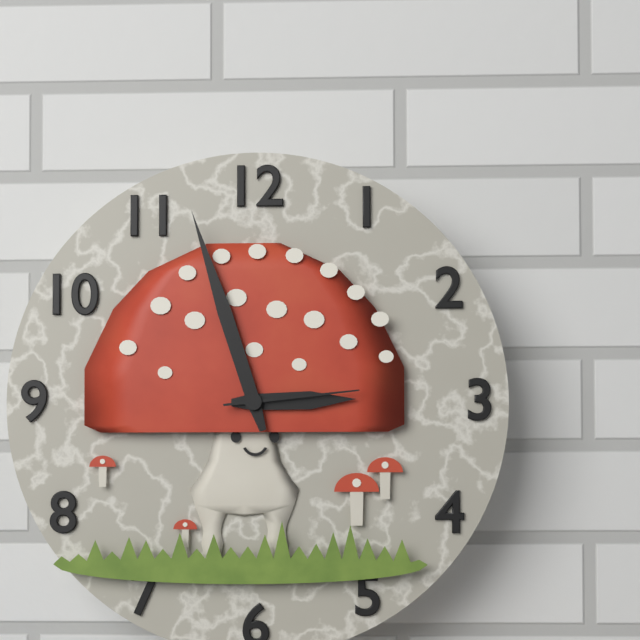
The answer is 2:57:14
